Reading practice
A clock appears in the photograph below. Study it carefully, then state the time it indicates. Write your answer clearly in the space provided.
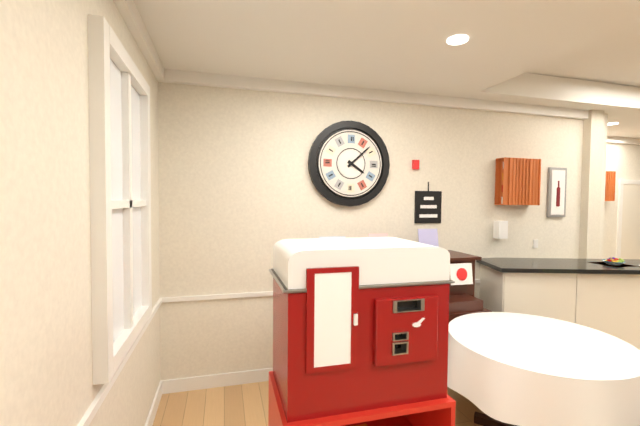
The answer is 4:08
